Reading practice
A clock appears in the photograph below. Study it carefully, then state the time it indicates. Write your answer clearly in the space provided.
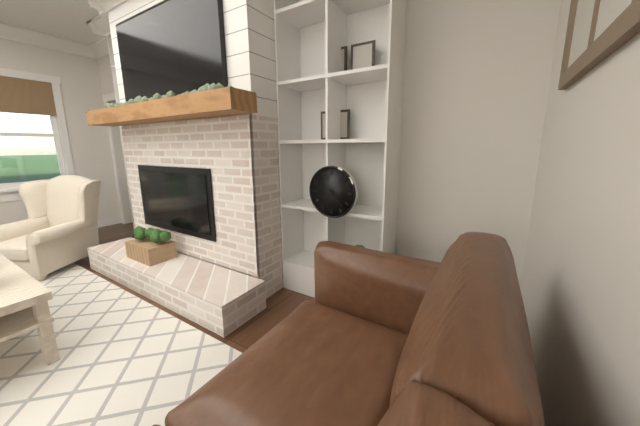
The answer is 7:23
